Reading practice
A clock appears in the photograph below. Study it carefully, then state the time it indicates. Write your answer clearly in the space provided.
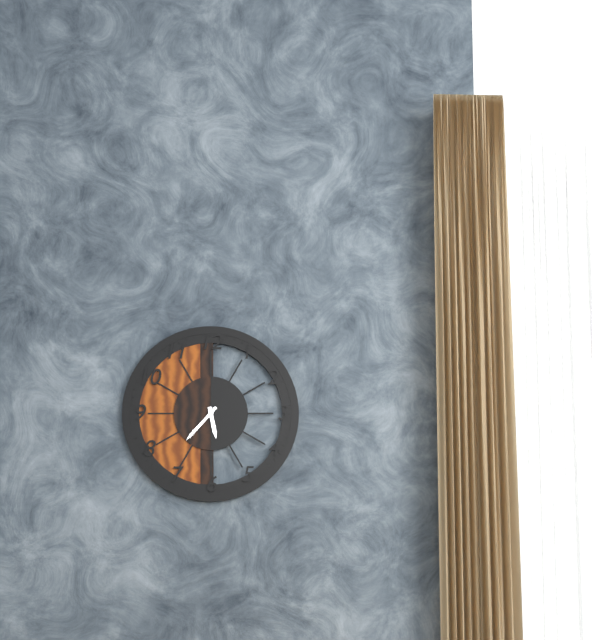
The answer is 5:37
